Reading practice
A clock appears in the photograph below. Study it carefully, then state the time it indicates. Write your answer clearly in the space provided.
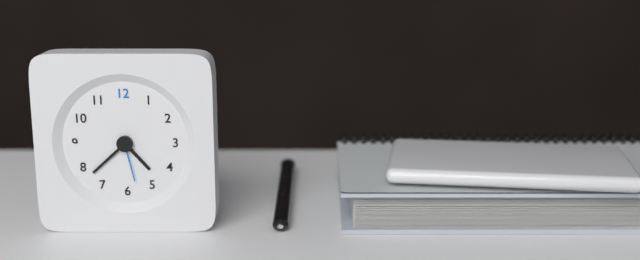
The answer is 4:38
